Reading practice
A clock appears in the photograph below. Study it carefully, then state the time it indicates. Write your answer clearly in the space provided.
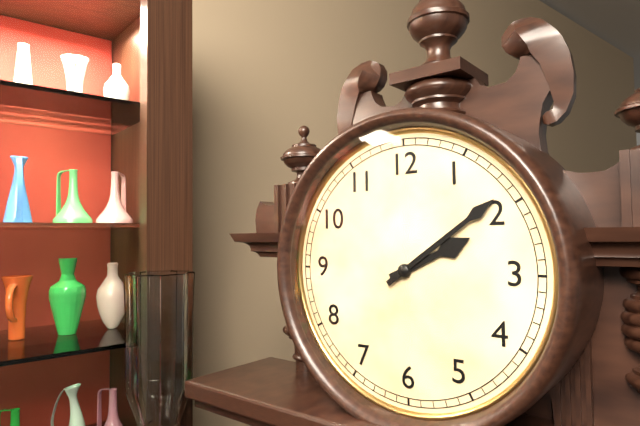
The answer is 2:09
